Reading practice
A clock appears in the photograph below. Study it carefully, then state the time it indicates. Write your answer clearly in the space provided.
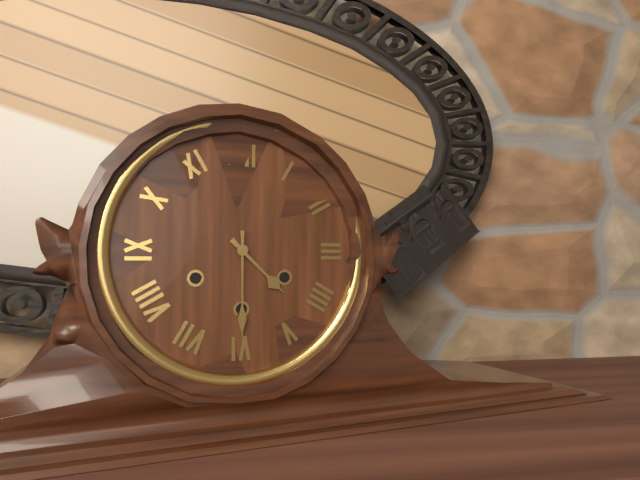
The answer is 4:30
